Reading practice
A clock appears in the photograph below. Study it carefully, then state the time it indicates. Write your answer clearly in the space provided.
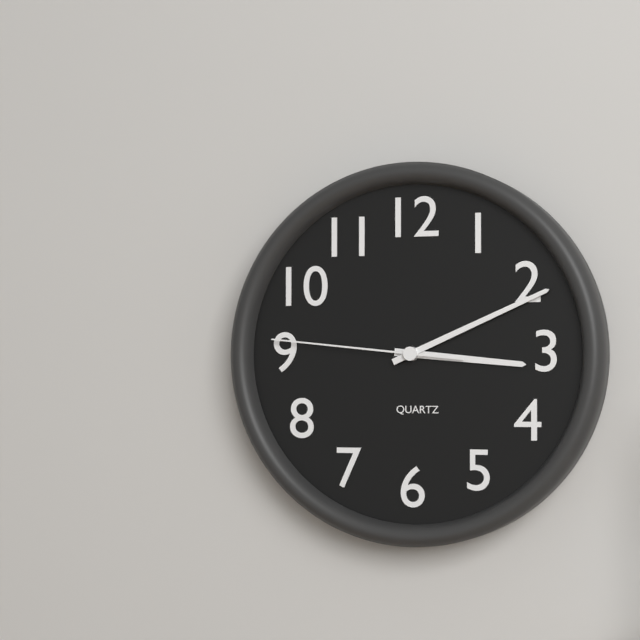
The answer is 3:11:46
